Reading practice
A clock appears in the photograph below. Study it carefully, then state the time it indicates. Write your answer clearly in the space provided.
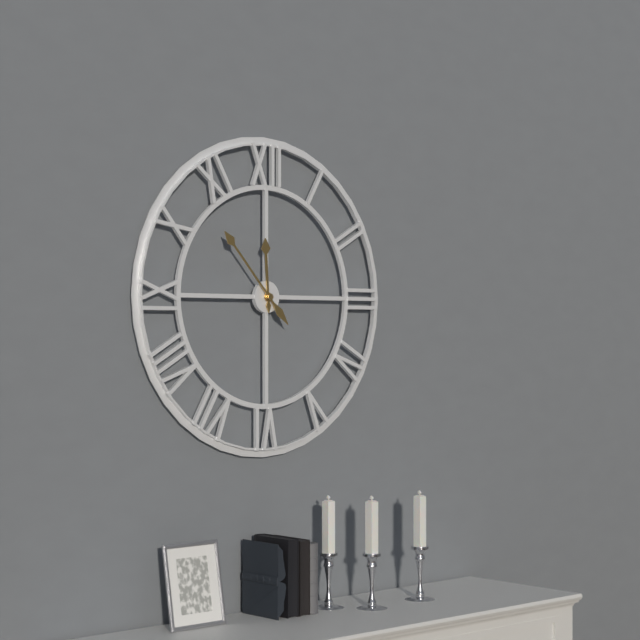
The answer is 11:53
